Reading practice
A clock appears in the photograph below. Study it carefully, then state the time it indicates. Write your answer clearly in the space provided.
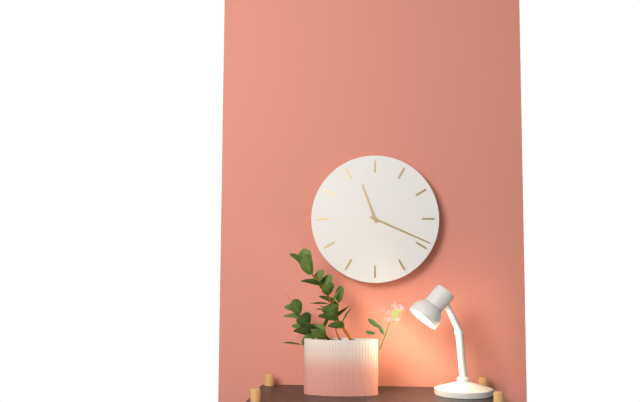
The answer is 11:19
